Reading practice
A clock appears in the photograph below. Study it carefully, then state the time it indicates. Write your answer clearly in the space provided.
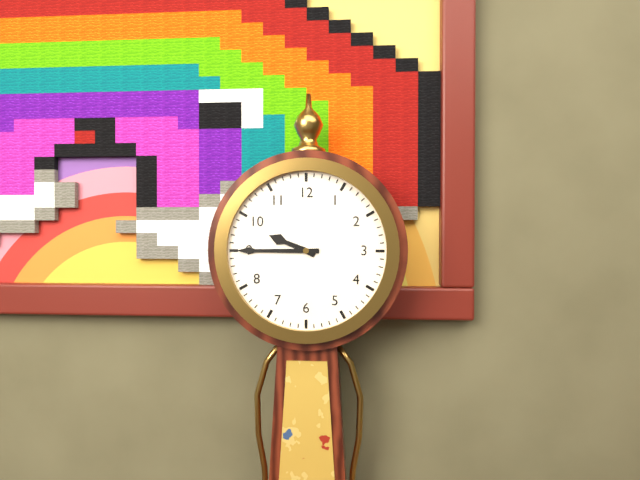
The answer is 9:45
